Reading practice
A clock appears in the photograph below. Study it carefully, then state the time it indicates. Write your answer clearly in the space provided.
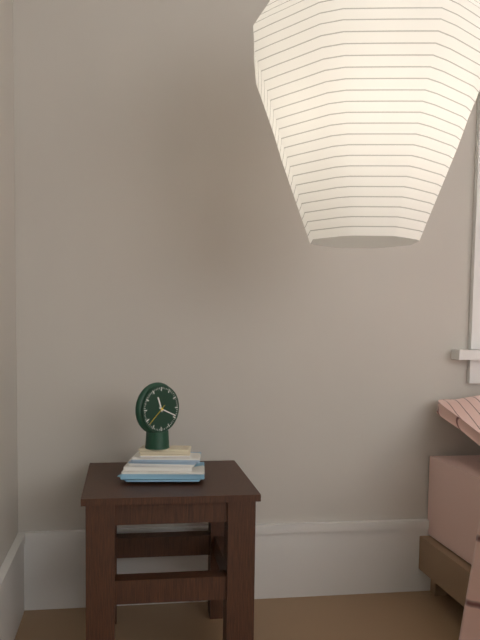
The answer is 11:19
